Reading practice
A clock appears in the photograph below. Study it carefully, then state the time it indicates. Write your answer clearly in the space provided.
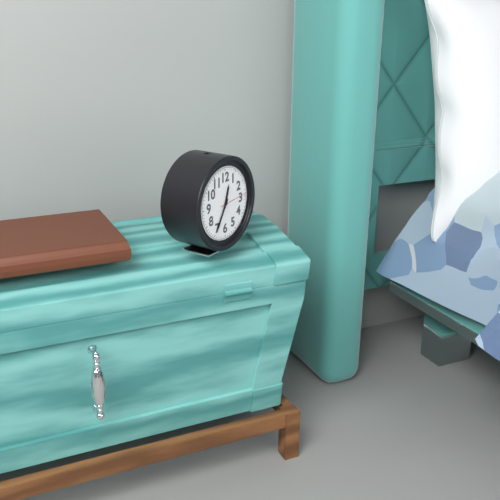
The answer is 12:35
